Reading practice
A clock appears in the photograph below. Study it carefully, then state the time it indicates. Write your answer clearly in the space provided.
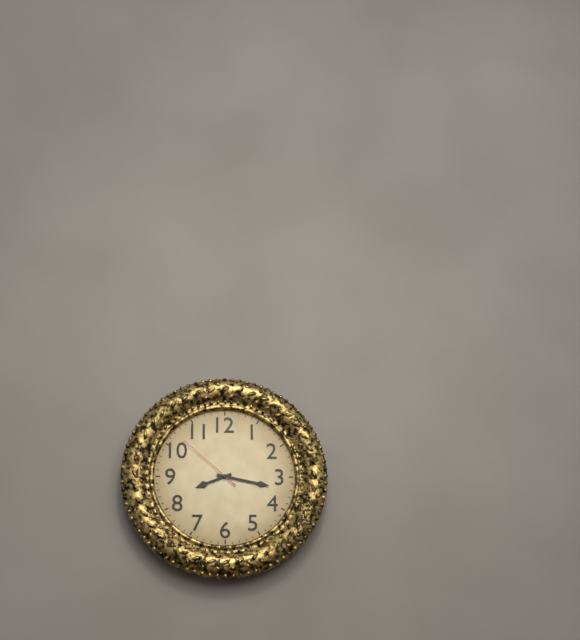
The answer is 8:17:52
